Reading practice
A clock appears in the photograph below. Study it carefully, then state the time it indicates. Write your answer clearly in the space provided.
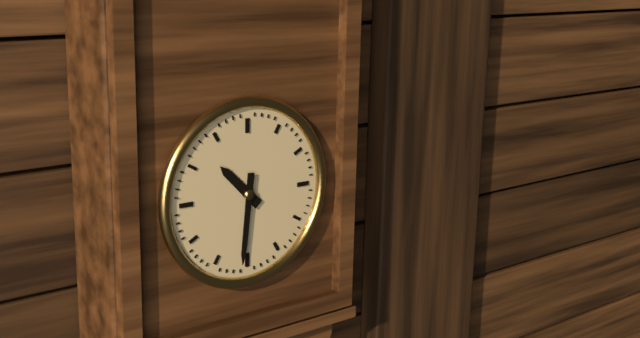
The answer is 10:31
